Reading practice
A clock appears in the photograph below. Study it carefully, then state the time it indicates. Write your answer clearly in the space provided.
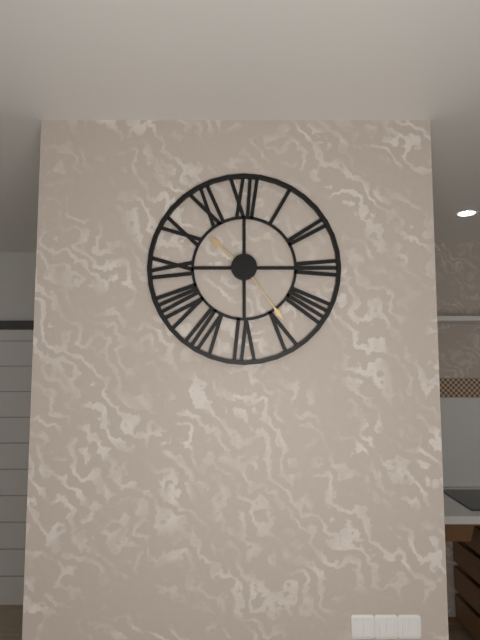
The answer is 10:24
